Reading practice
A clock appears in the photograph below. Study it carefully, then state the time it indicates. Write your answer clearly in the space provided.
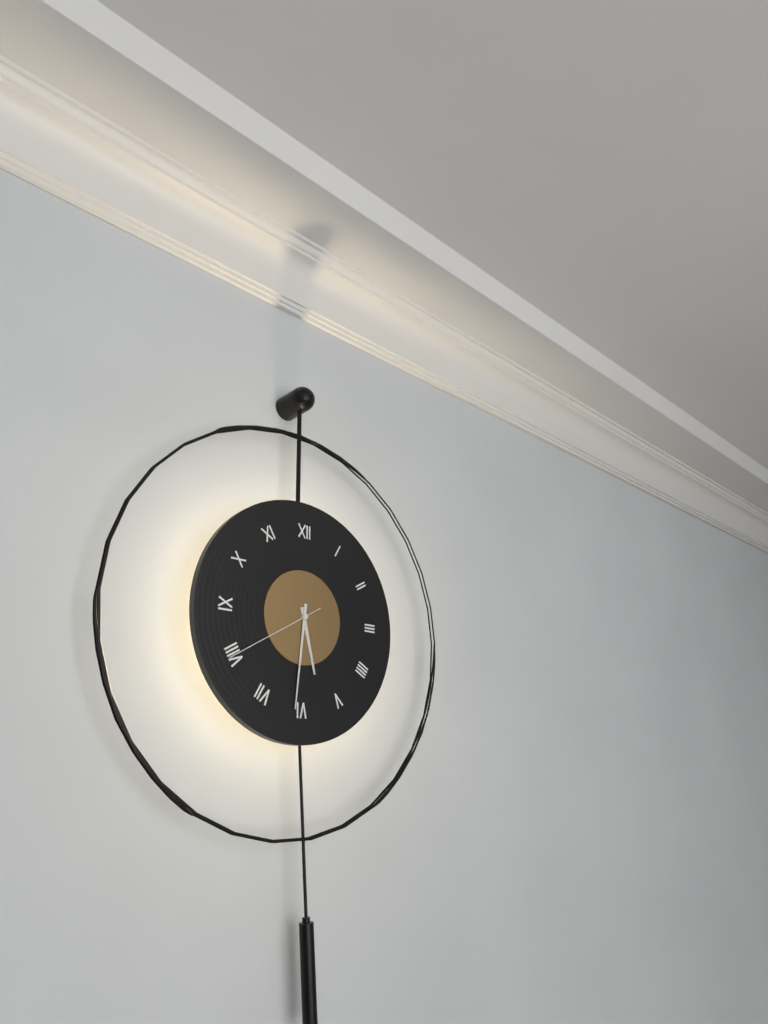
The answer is 5:31:40
